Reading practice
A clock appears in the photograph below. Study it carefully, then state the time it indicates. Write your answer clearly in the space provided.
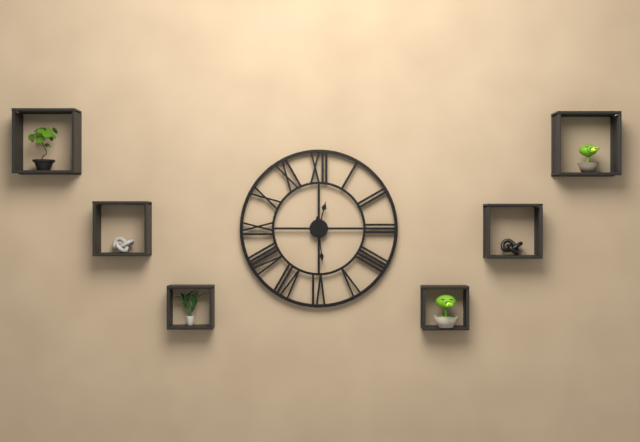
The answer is 12:29
